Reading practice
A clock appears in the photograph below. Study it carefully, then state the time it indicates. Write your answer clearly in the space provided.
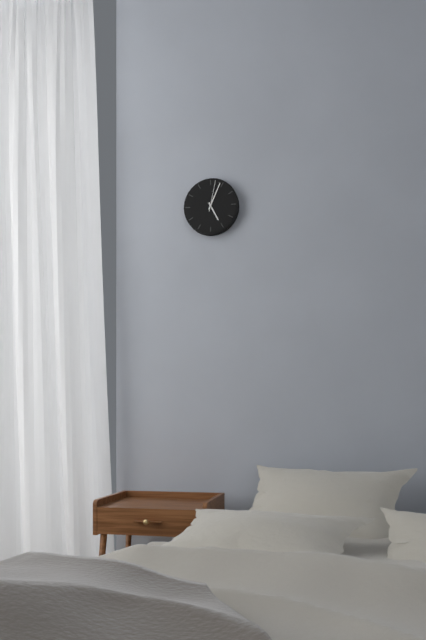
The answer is 5:04
